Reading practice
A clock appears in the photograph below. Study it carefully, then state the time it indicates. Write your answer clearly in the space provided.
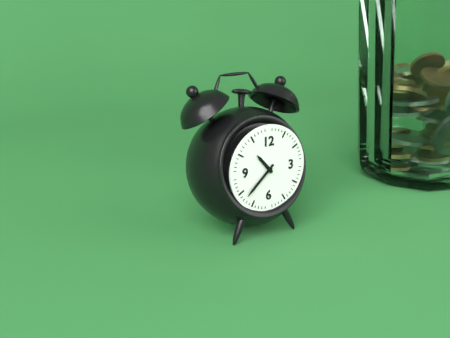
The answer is 10:38
